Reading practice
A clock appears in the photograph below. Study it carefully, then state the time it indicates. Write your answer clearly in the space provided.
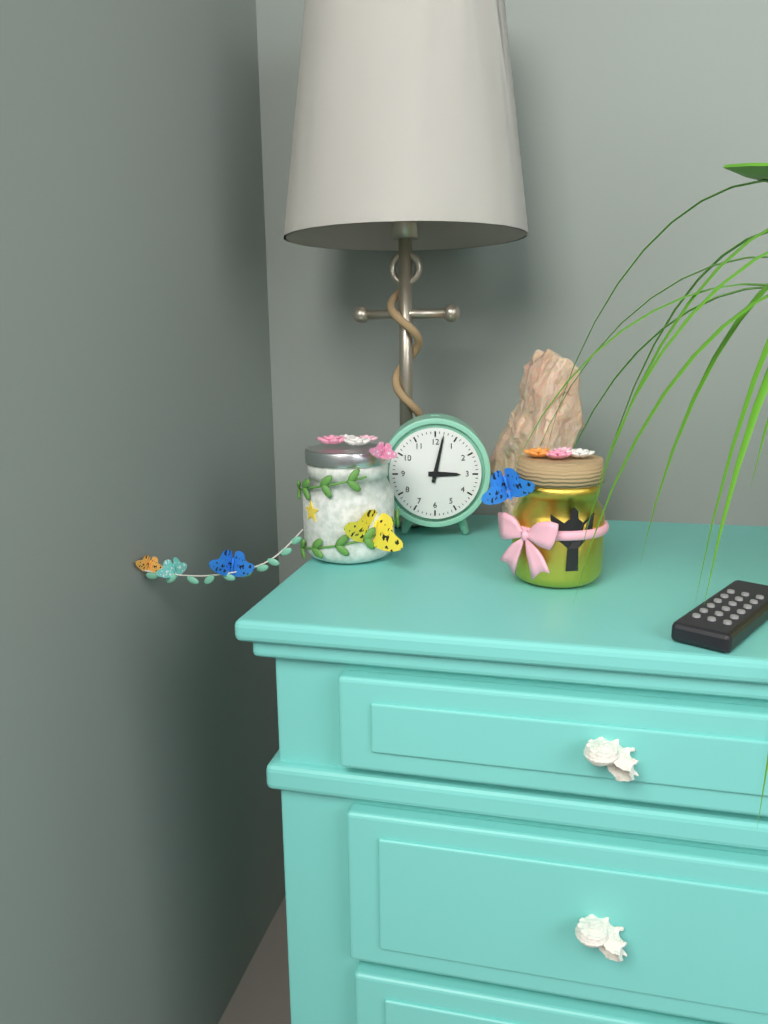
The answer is 3:02
